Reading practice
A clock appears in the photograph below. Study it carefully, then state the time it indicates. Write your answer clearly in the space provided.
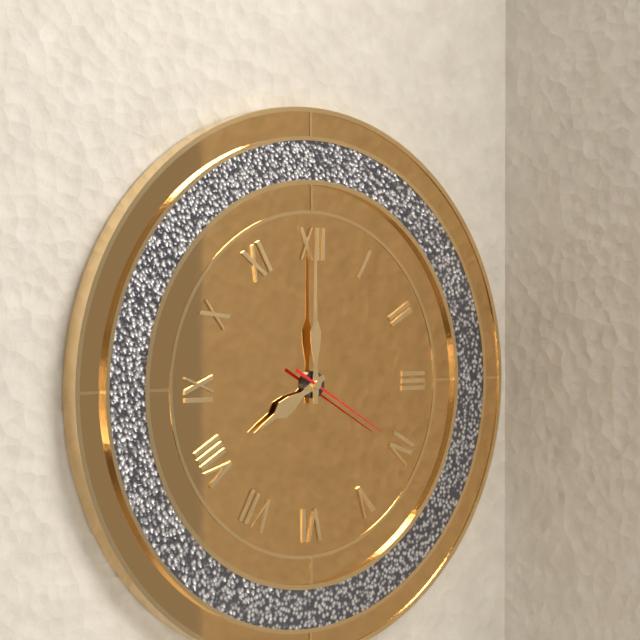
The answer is 8:00:20
